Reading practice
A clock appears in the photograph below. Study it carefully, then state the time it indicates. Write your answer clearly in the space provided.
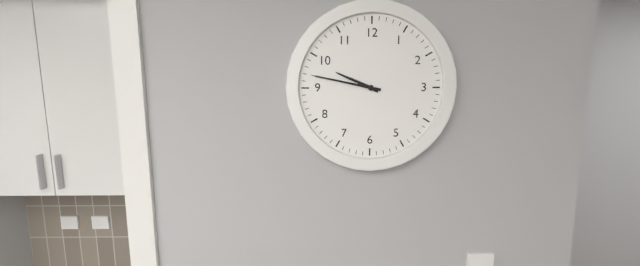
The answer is 9:47
